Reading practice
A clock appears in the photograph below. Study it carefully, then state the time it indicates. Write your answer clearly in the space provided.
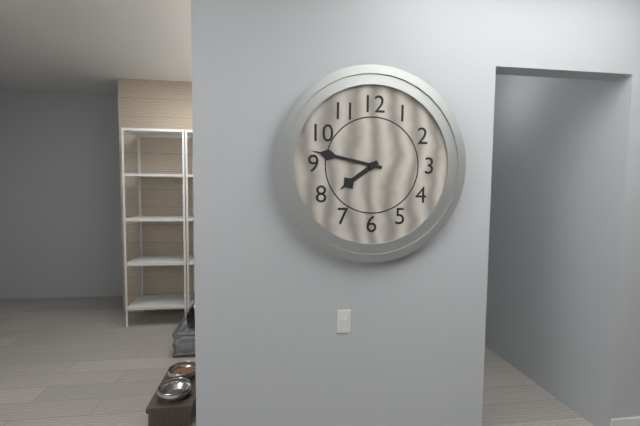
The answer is 7:47
